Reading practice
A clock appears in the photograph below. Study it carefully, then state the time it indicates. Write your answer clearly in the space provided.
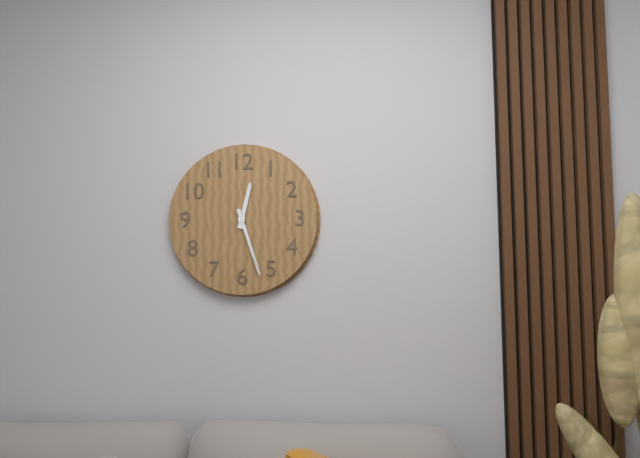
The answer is 12:27
